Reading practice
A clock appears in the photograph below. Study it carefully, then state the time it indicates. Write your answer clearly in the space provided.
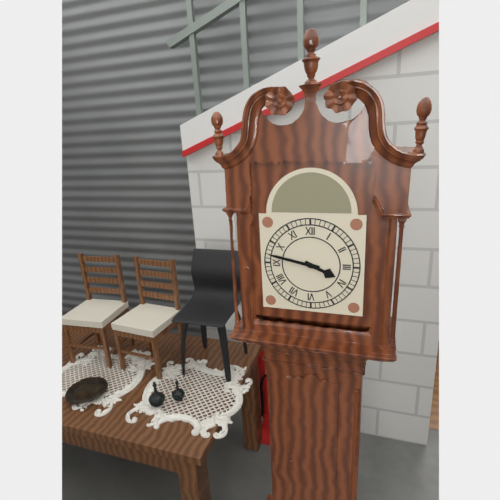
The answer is 3:47
